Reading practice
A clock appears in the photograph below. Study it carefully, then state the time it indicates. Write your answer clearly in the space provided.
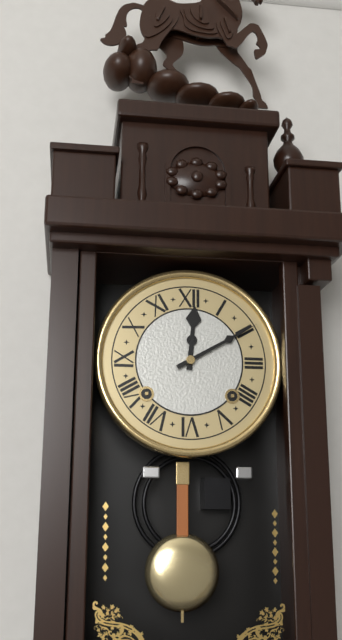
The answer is 12:10
